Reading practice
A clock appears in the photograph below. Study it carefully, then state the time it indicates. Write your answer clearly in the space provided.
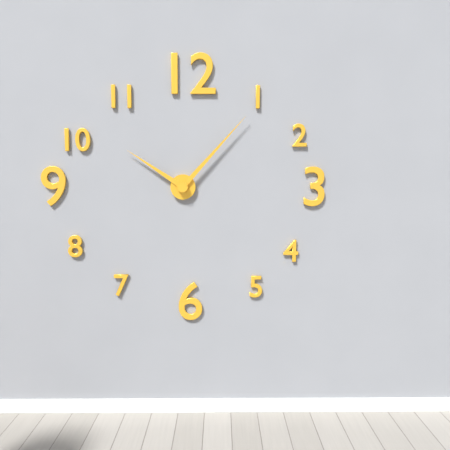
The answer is 10:07
